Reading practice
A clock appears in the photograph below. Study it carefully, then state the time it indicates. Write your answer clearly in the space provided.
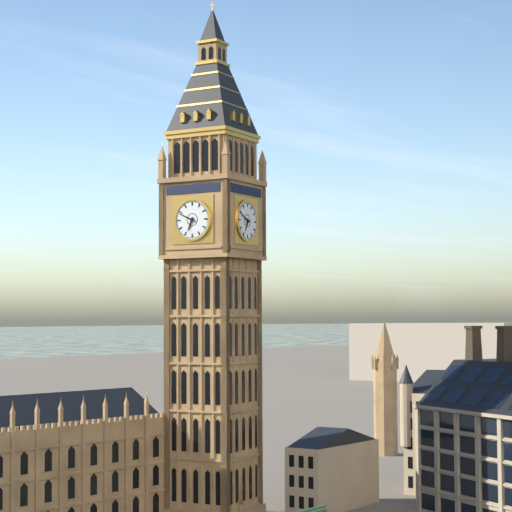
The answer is 6:49
